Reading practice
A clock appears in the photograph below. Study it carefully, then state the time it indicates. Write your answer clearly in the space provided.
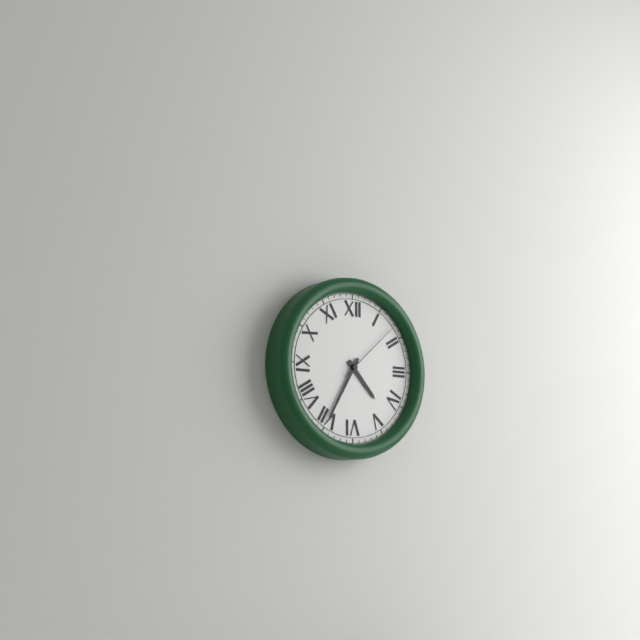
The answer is 4:35:08
